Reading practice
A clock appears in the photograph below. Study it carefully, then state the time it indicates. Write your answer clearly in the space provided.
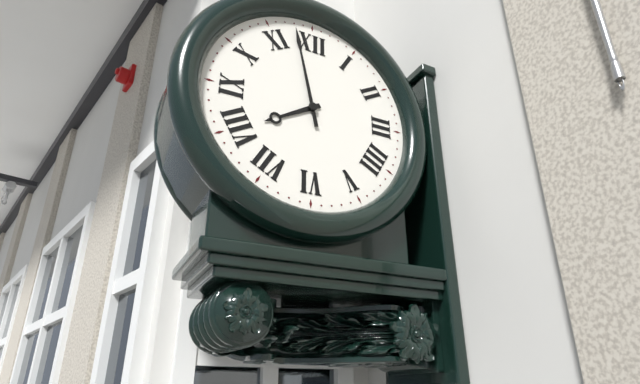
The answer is 7:58
